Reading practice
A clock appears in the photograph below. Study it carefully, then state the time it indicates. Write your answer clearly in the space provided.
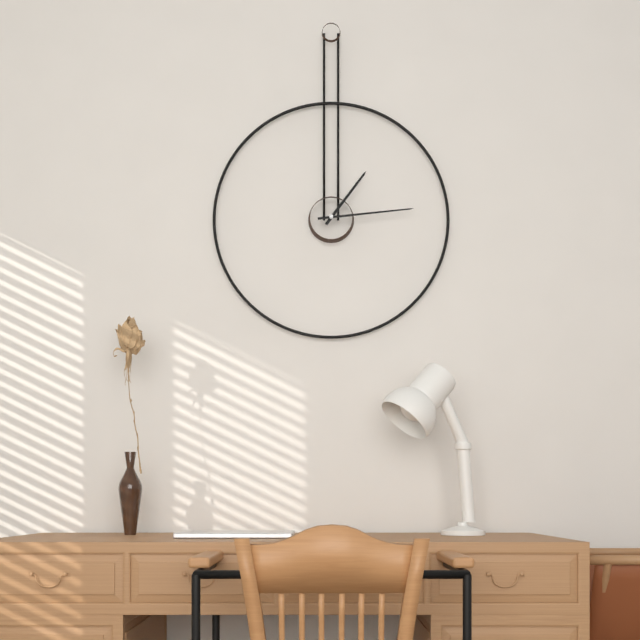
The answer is 1:14
